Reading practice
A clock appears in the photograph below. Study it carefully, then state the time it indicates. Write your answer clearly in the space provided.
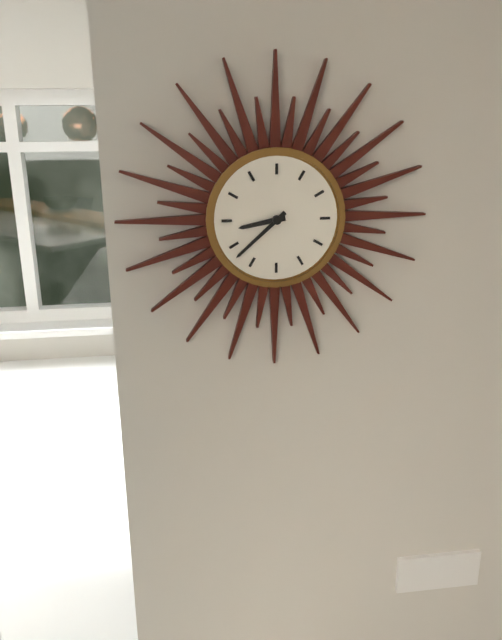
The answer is 8:38
